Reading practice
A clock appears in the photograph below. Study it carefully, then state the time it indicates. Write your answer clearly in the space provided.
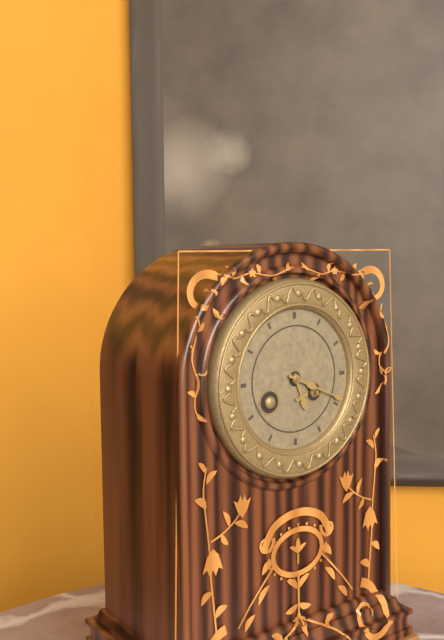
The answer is 5:19
